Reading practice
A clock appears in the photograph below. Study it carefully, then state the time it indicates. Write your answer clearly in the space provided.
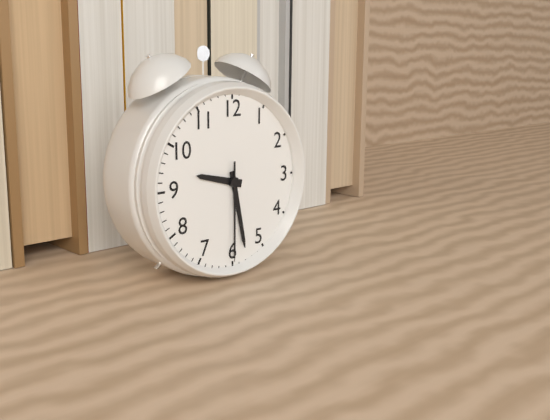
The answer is 9:28:30
